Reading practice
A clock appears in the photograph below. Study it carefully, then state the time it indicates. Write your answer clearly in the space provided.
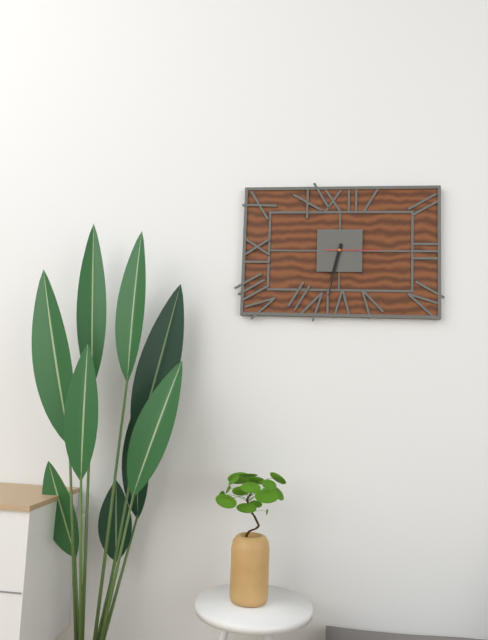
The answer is 6:32:15
